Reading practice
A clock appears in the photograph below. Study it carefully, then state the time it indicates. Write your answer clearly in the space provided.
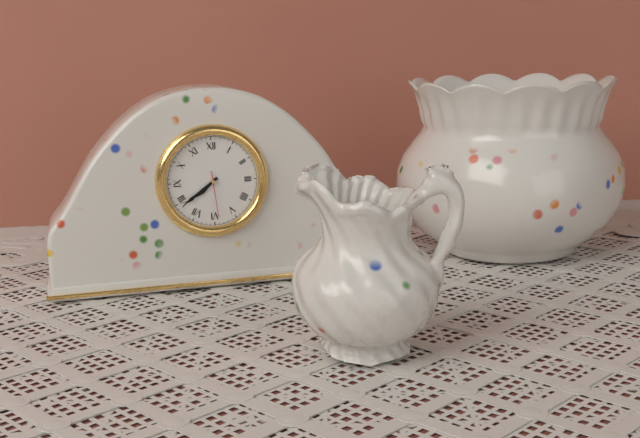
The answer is 7:39
